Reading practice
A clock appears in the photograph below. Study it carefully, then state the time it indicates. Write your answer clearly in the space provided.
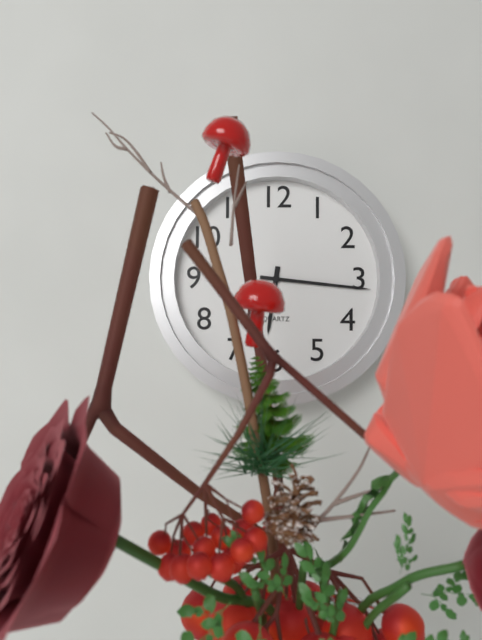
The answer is 6:16
